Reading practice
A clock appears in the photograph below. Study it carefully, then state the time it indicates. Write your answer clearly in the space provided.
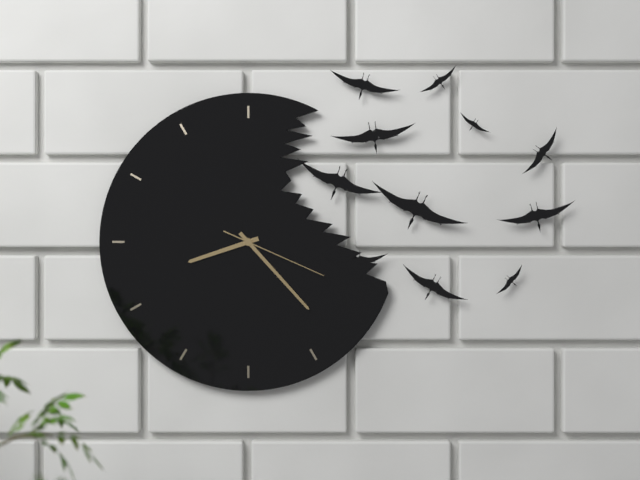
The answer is 8:23:19
